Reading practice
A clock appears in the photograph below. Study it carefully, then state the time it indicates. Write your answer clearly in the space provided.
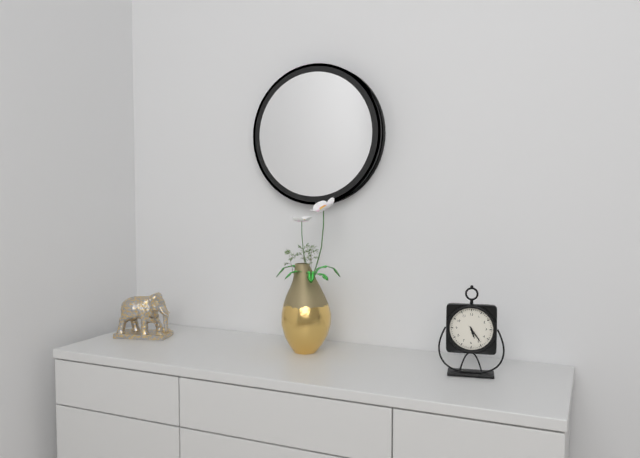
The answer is 5:24
